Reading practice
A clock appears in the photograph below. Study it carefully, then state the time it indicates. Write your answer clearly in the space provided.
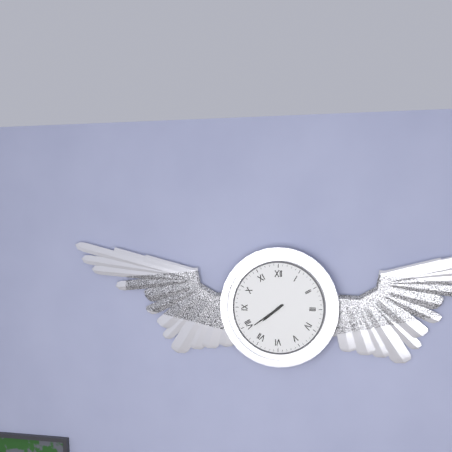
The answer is 7:39
